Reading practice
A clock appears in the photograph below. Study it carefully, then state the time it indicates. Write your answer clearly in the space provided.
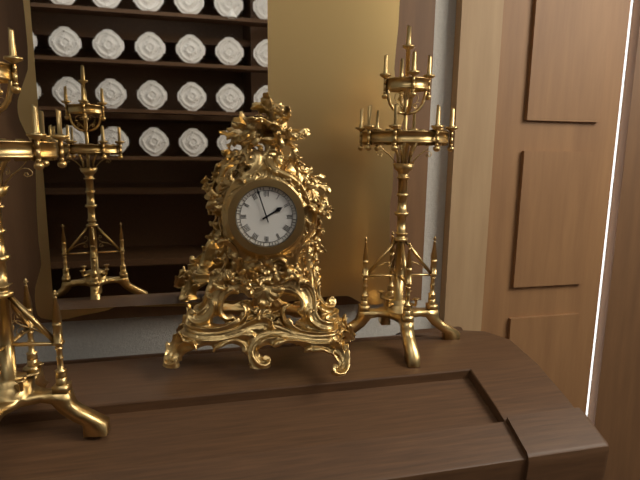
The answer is 1:57
